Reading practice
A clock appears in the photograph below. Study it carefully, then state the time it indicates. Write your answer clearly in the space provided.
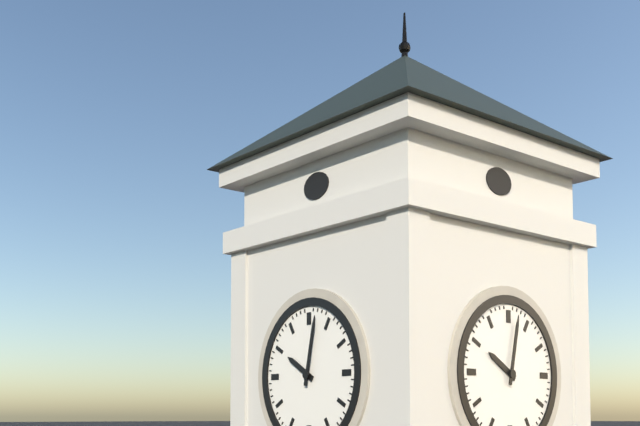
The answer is 10:02
